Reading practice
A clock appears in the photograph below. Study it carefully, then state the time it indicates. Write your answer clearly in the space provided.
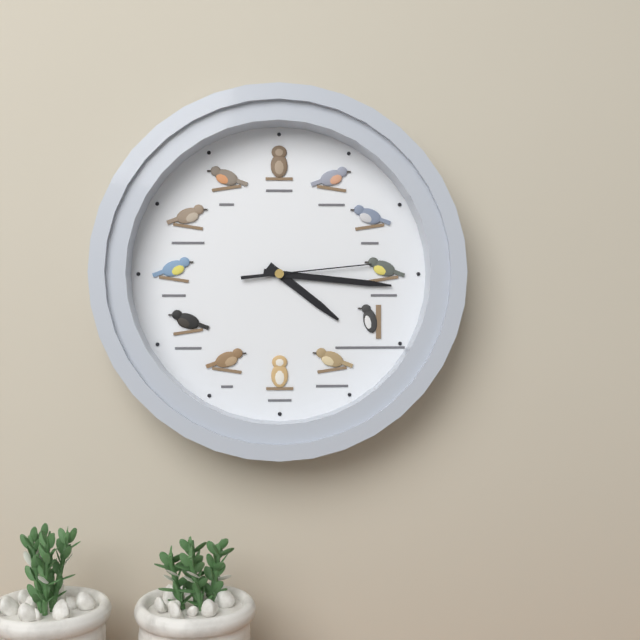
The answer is 4:16:14
